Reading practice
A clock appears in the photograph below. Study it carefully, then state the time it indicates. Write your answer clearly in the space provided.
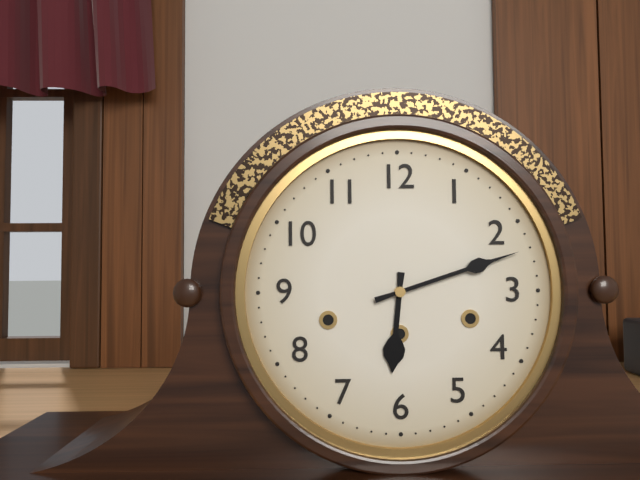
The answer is 6:12
